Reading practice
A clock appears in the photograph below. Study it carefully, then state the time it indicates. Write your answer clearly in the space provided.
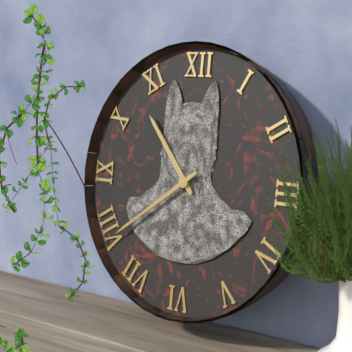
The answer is 10:39
